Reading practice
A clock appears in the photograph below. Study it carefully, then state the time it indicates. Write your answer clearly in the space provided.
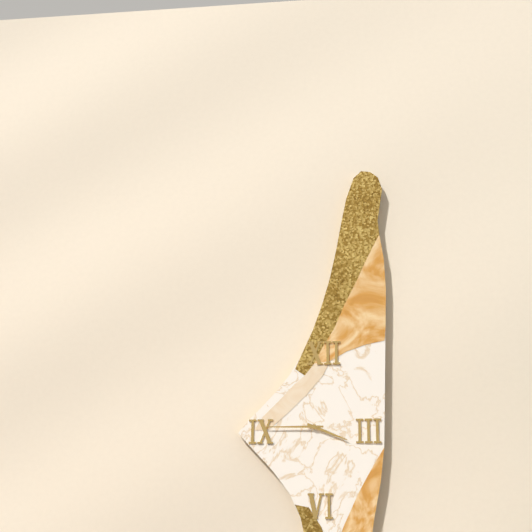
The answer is 3:45
